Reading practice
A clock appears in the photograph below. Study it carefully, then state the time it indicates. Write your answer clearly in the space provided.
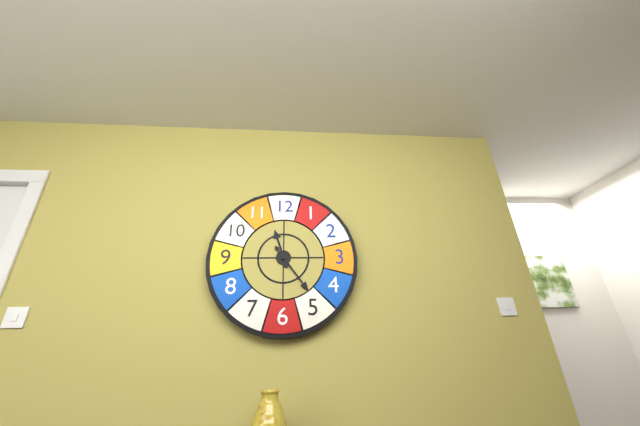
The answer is 11:24
